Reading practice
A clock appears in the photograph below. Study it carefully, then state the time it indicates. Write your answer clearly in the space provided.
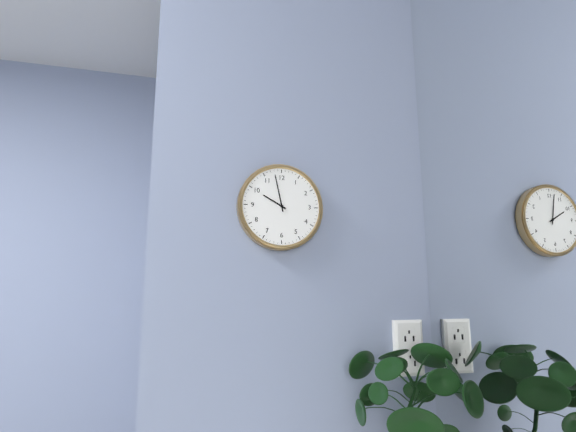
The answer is 9:58
